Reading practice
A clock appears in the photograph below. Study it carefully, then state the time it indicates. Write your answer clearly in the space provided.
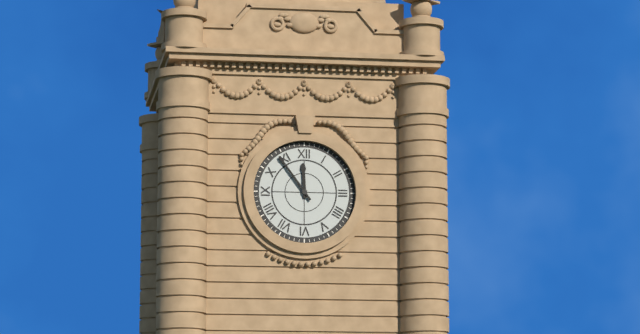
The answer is 11:54
